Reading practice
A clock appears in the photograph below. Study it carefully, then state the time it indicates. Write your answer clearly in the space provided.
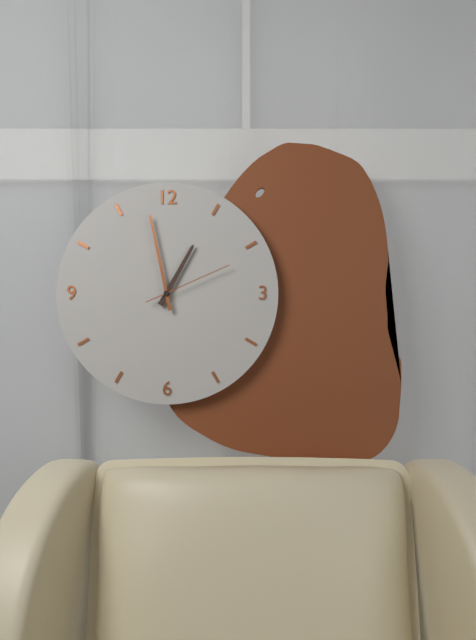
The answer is 12:58:11
